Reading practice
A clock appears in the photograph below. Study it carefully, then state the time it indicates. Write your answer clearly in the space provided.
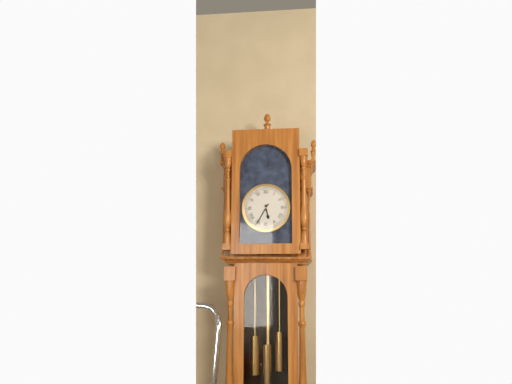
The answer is 5:35
